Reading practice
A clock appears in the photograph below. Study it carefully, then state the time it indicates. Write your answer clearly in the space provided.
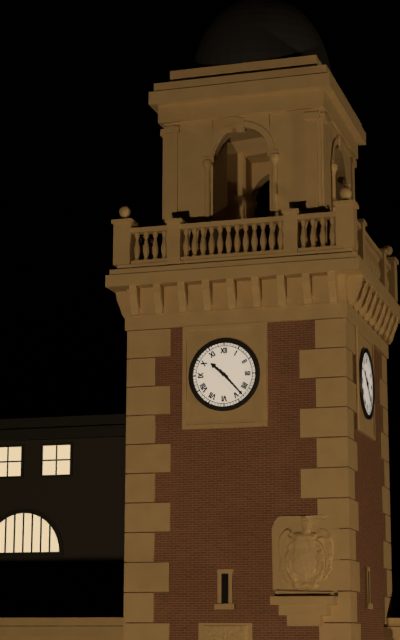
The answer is 10:23
